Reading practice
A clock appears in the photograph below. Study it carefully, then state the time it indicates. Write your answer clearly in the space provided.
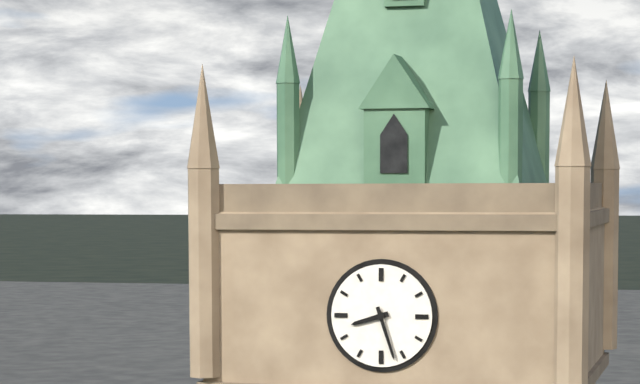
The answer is 8:27
